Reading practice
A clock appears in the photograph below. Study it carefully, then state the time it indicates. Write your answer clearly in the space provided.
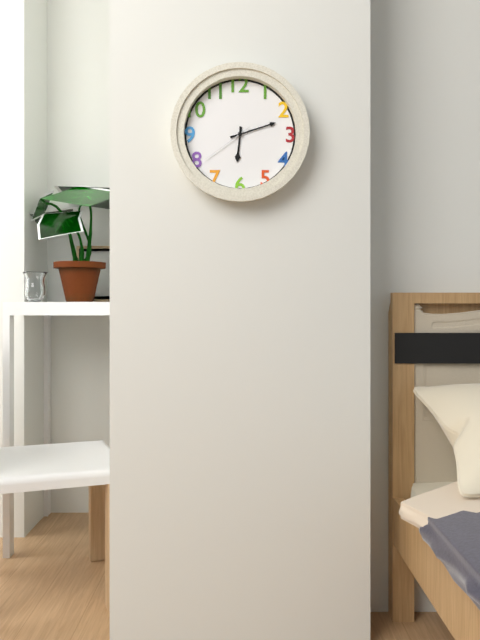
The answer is 6:12:39
